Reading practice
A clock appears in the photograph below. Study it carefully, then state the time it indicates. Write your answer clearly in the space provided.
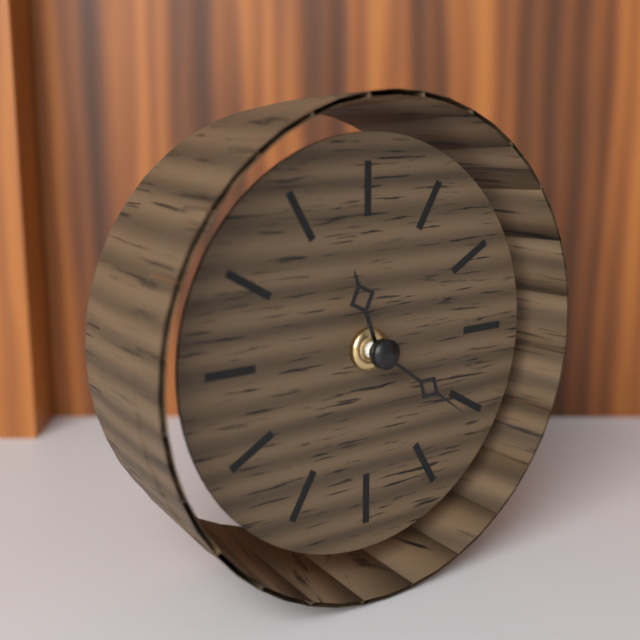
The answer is 11:21
